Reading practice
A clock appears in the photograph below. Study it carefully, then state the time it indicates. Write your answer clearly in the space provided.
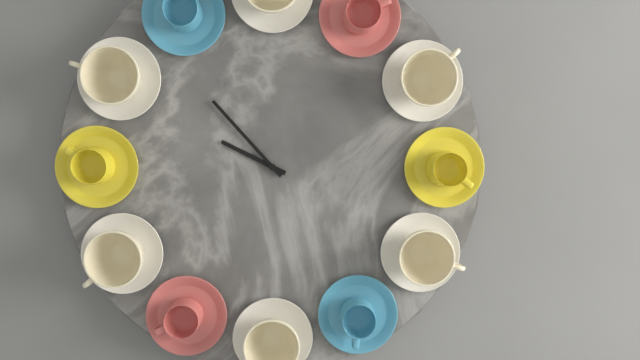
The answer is 9:53
